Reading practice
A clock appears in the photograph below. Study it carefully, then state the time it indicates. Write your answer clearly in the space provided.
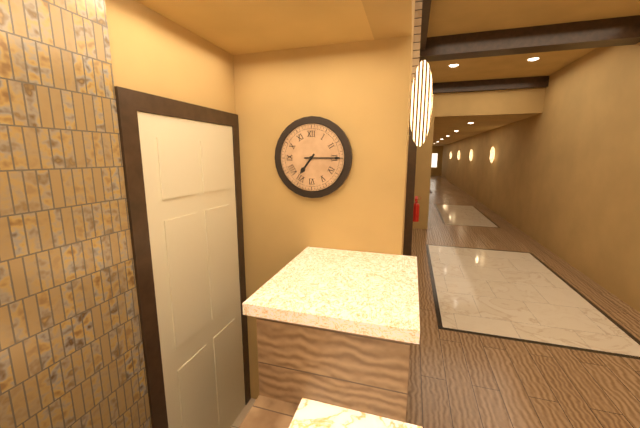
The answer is 7:15
